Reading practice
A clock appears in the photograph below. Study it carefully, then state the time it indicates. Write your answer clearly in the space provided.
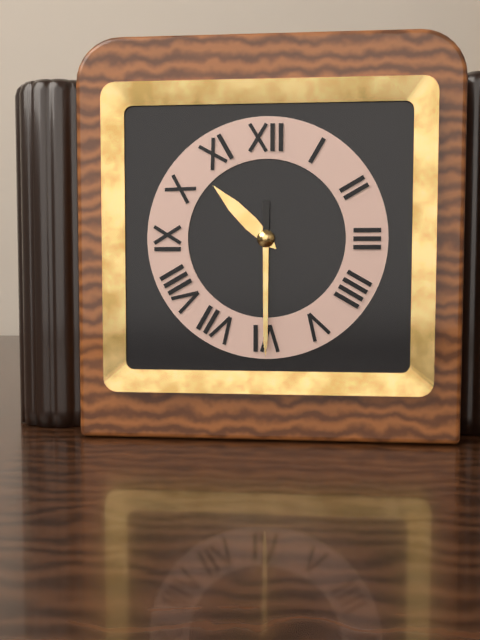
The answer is 10:30
